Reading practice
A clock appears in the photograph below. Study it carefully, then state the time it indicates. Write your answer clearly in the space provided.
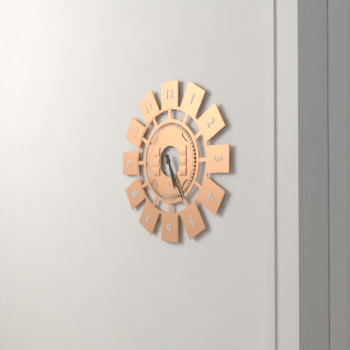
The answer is 5:25
